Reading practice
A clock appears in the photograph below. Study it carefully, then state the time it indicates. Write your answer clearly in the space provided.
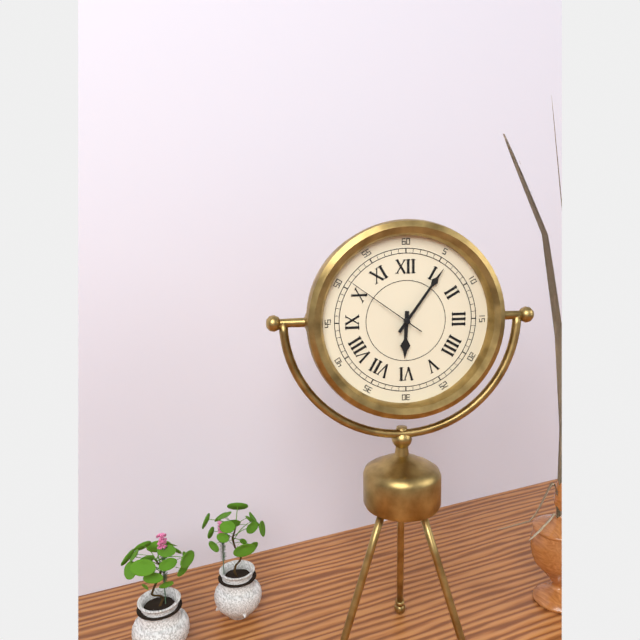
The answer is 6:06:51
